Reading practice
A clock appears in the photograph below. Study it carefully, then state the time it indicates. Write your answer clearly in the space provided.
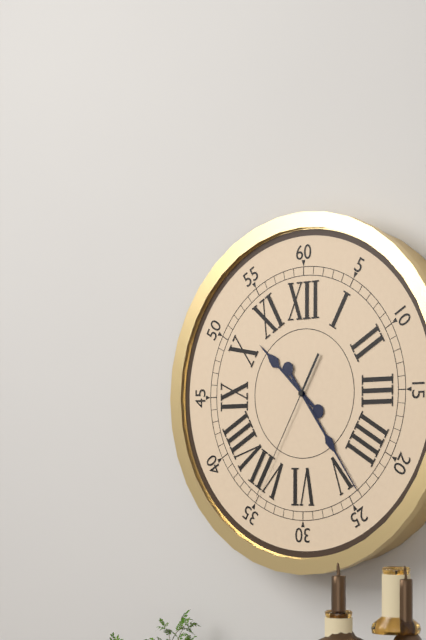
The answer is 10:24:35
